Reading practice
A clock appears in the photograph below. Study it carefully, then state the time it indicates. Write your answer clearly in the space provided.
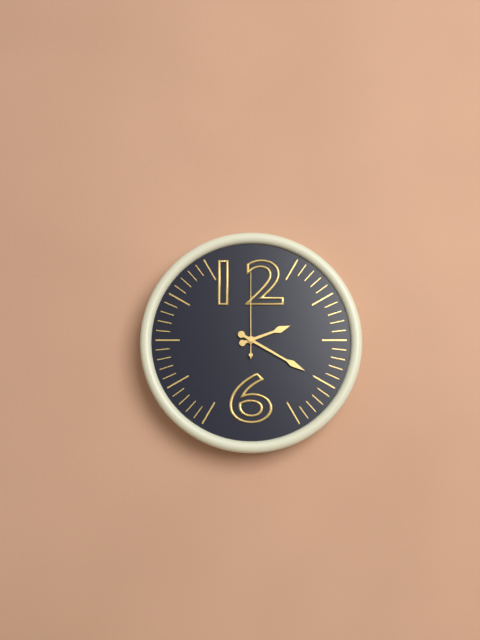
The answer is 2:20:00
